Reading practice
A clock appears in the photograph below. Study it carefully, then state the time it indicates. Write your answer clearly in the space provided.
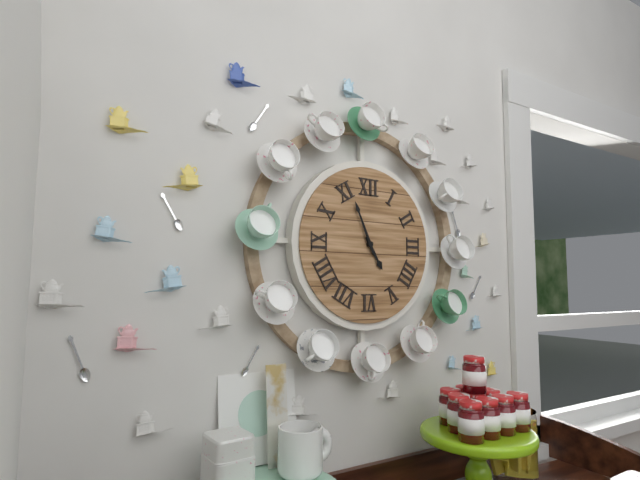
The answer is 4:56
